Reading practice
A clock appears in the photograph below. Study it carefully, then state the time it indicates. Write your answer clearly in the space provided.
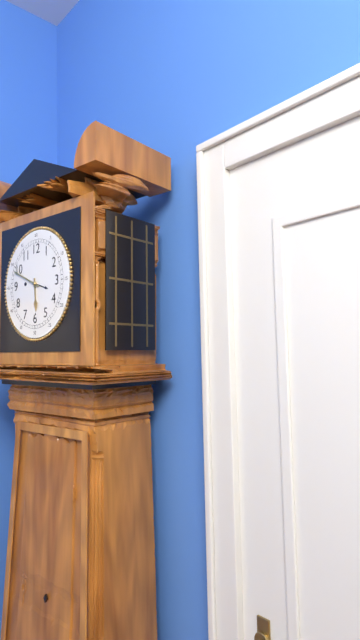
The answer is 5:49
